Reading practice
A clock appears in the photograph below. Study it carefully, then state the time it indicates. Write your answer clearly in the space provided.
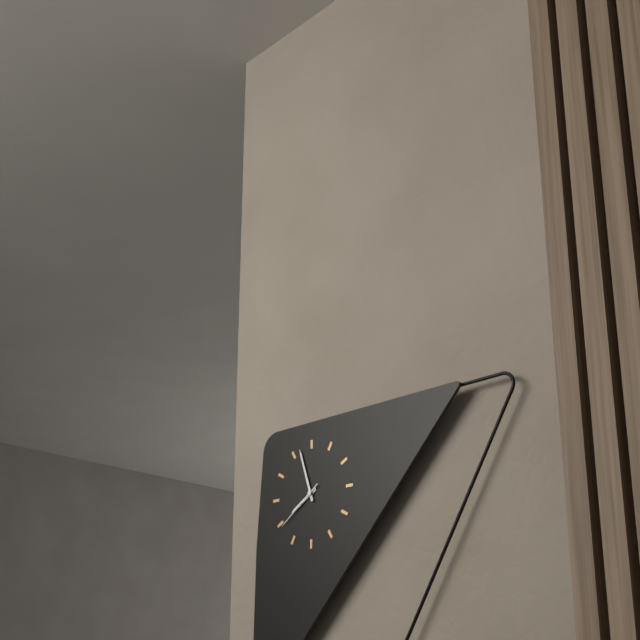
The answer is 7:57:39
